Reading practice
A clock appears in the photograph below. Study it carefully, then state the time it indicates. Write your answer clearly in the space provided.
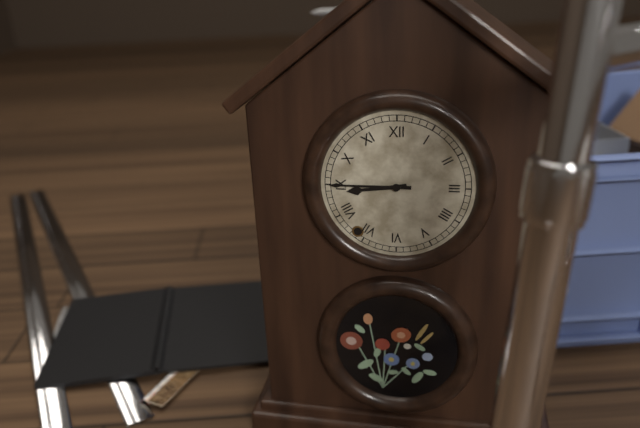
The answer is 8:45
